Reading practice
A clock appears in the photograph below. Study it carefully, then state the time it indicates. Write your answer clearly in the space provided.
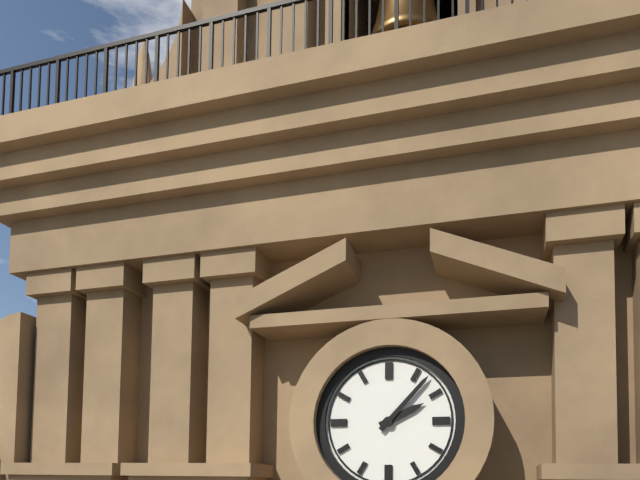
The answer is 2:07
